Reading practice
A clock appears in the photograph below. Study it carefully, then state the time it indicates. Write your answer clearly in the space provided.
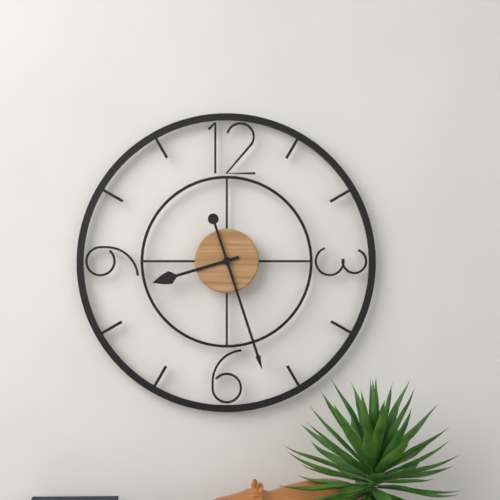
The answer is 8:27
